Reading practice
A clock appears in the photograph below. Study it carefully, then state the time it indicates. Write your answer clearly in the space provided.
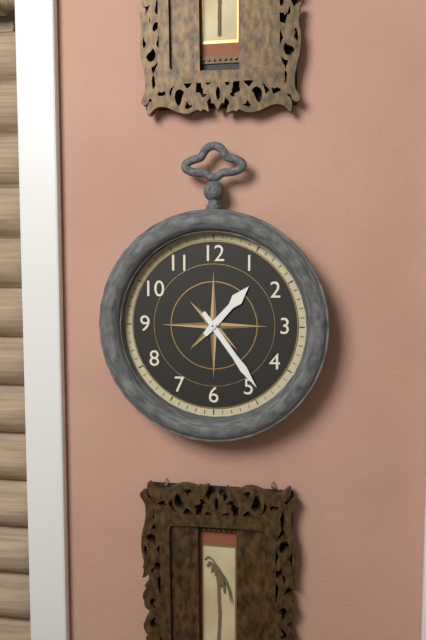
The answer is 1:24
